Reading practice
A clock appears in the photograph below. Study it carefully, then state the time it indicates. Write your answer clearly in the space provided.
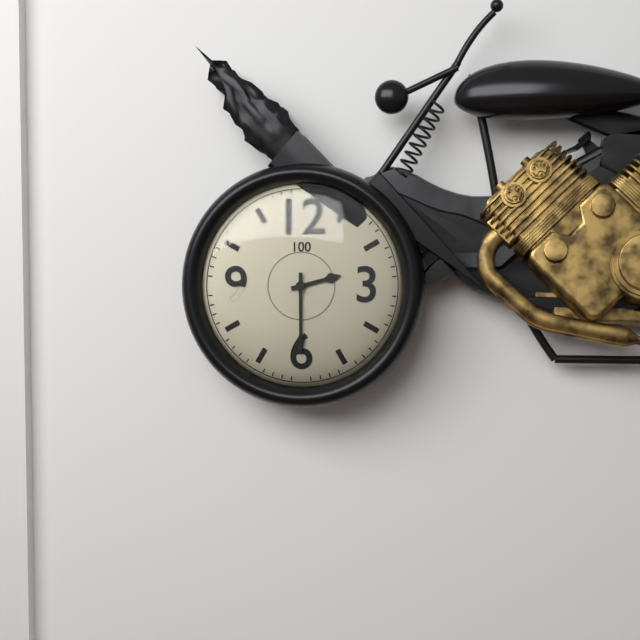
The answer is 2:30
